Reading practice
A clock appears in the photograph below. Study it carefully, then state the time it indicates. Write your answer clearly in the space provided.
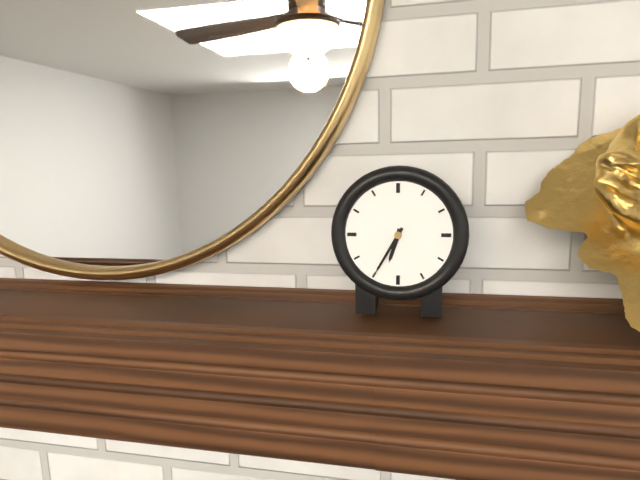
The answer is 6:35
